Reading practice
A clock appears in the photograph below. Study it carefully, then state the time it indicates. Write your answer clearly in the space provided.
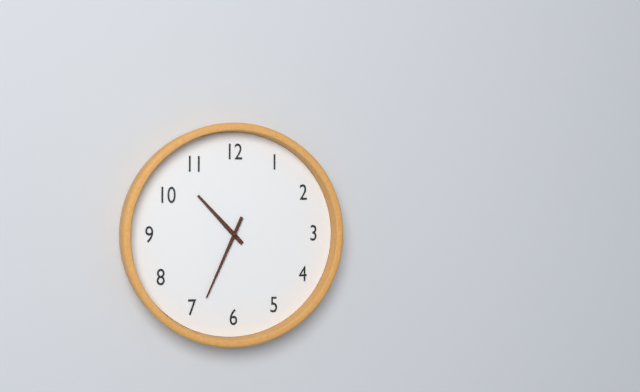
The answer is 10:34
